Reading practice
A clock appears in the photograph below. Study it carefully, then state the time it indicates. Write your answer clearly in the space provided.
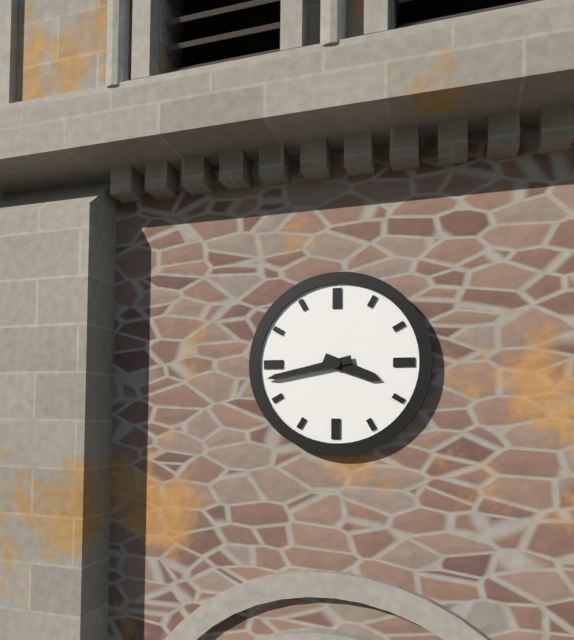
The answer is 3:43
